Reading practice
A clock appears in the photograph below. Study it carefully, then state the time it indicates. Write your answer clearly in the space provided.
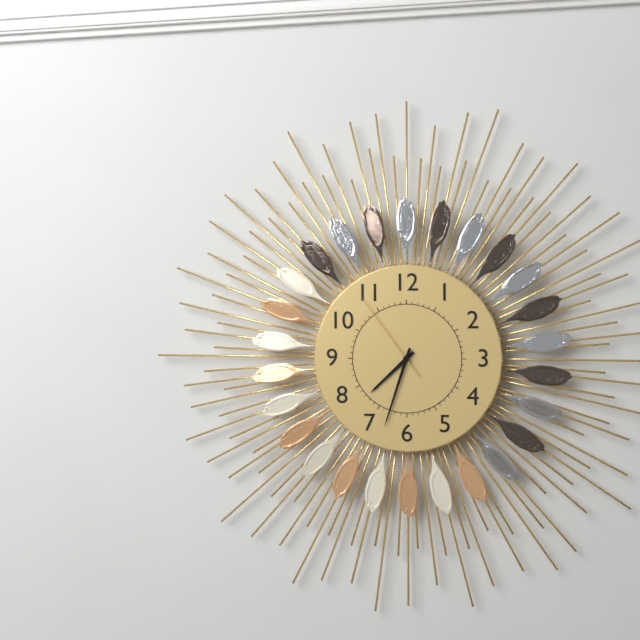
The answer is 7:33:54
